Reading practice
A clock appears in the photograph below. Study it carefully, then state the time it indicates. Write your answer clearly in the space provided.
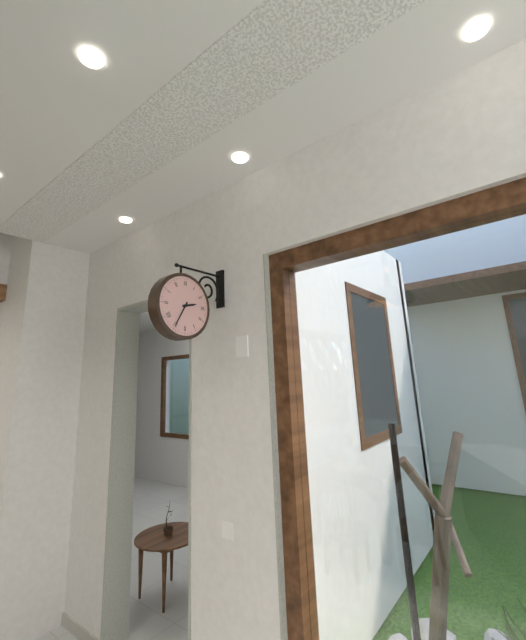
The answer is 2:35
